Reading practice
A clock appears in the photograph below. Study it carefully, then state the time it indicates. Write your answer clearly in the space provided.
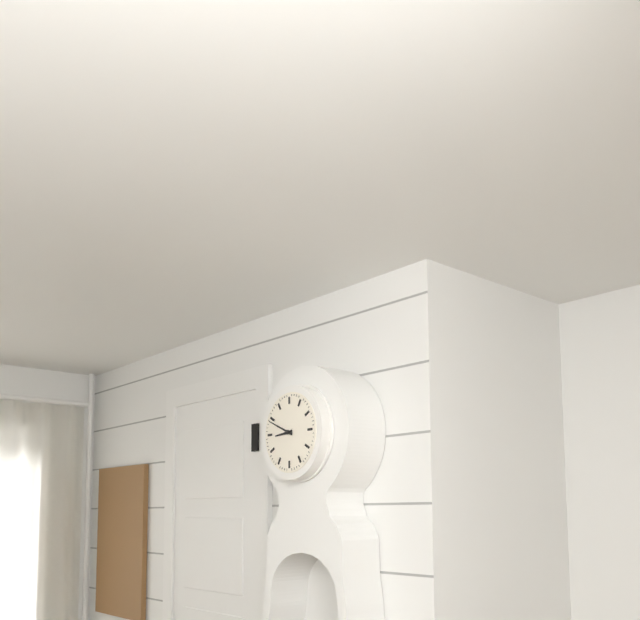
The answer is 8:49
